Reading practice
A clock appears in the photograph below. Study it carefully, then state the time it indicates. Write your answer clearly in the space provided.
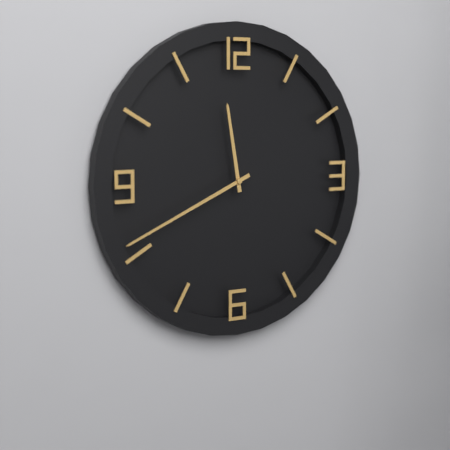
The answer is 11:41
